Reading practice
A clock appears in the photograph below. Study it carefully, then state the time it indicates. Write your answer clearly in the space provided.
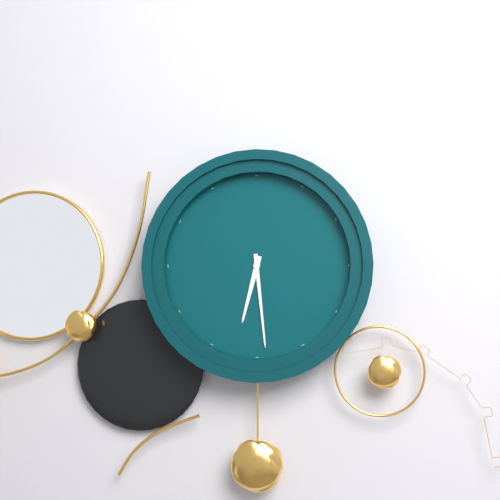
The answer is 6:29
